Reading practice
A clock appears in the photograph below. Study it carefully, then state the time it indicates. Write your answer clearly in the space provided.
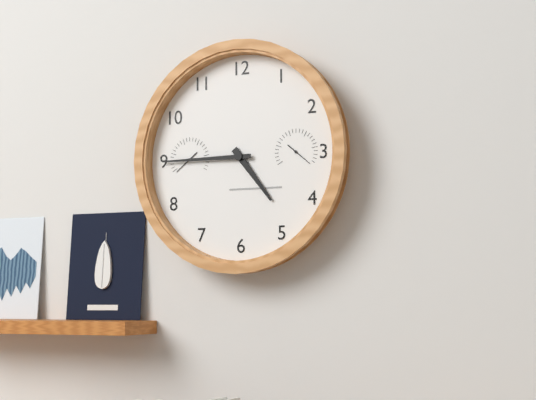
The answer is 4:45
